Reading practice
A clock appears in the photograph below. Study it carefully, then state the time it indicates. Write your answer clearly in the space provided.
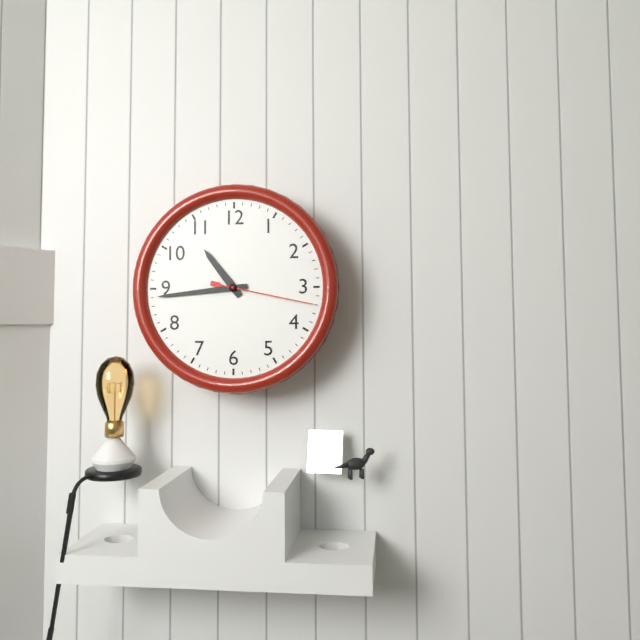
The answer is 10:44:17
